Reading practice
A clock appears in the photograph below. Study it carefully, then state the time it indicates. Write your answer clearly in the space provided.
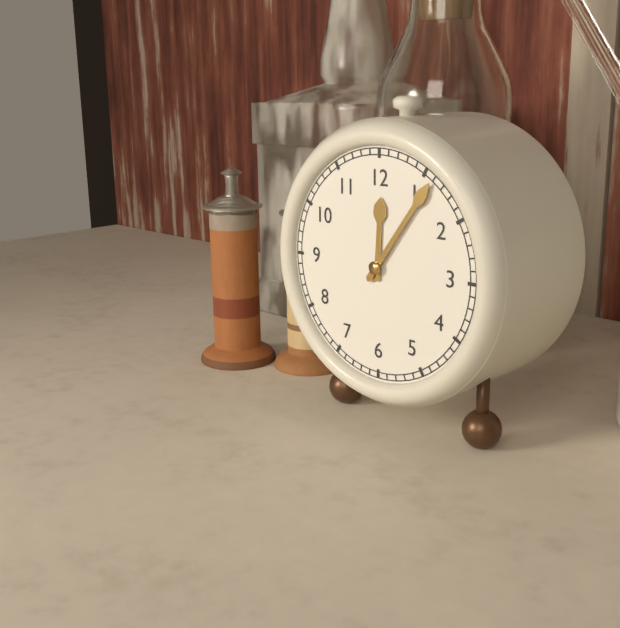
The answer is 12:06
